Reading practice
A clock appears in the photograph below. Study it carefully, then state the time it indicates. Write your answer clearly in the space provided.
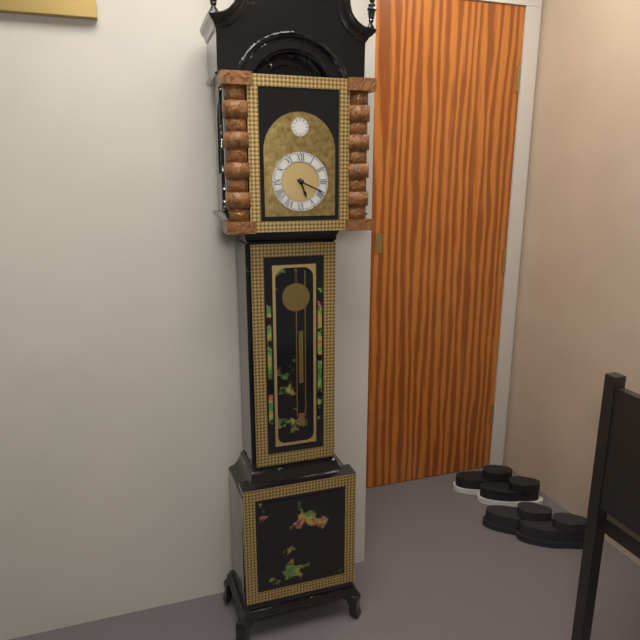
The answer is 5:19
